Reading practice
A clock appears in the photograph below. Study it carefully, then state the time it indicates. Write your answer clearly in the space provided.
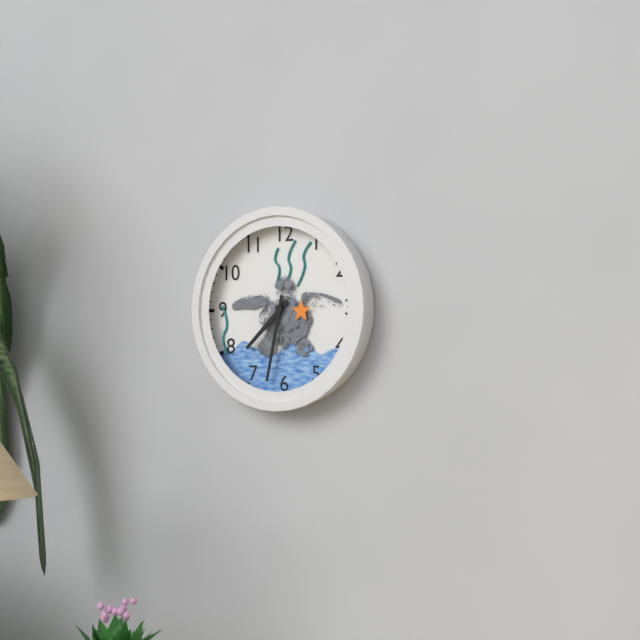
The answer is 7:32
